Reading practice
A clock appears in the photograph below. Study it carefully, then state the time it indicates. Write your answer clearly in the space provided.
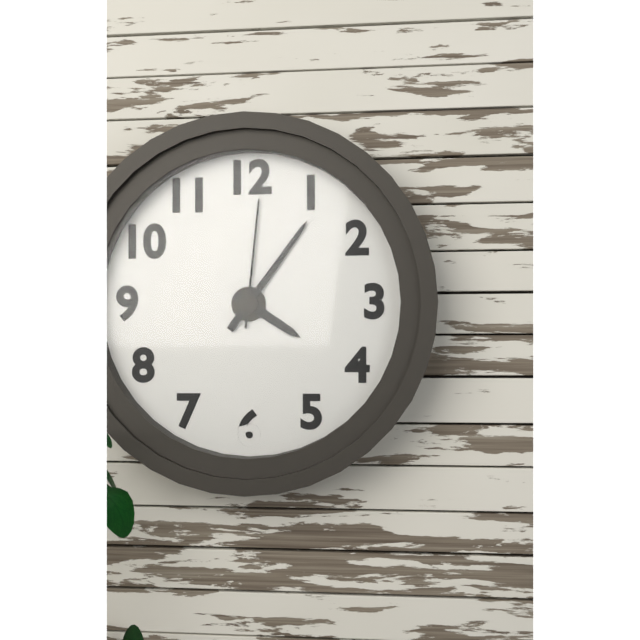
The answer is 4:06:01
